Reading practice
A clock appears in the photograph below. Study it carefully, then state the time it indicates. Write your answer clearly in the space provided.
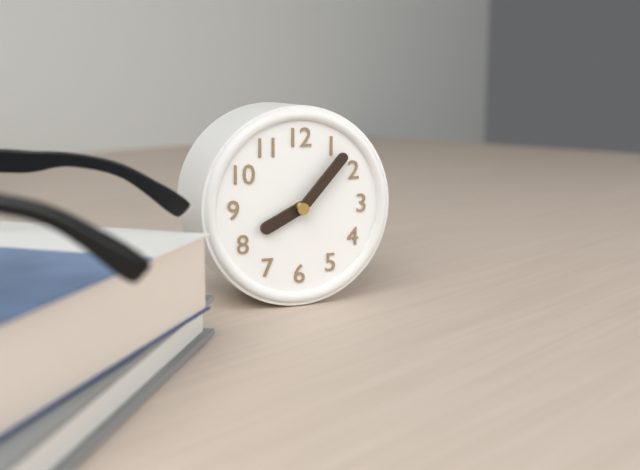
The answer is 8:07
